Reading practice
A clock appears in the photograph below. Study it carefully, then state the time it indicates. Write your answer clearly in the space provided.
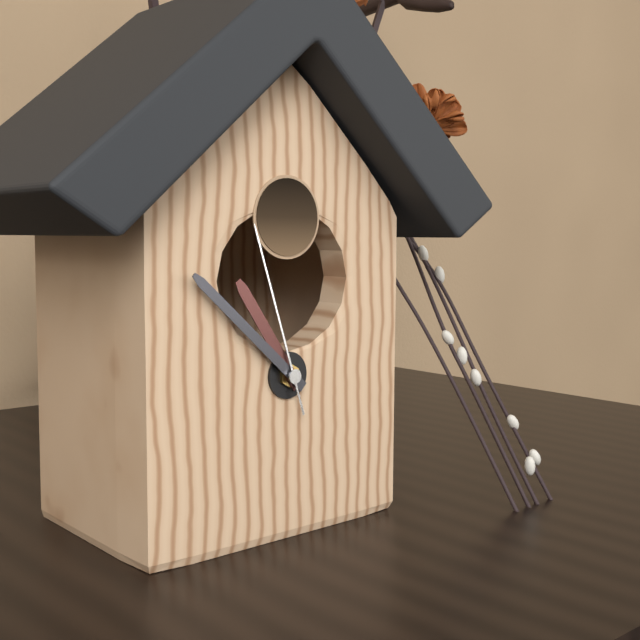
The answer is 10:52:57
